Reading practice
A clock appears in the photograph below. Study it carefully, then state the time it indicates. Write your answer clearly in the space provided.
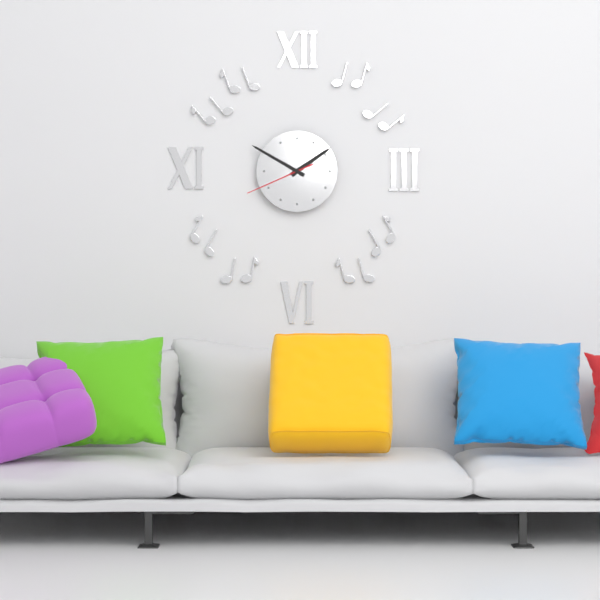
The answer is 1:50:41
